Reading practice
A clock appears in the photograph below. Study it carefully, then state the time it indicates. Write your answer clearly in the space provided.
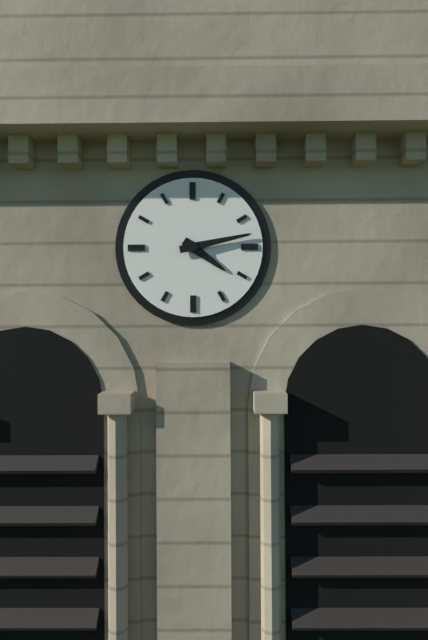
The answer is 4:13
